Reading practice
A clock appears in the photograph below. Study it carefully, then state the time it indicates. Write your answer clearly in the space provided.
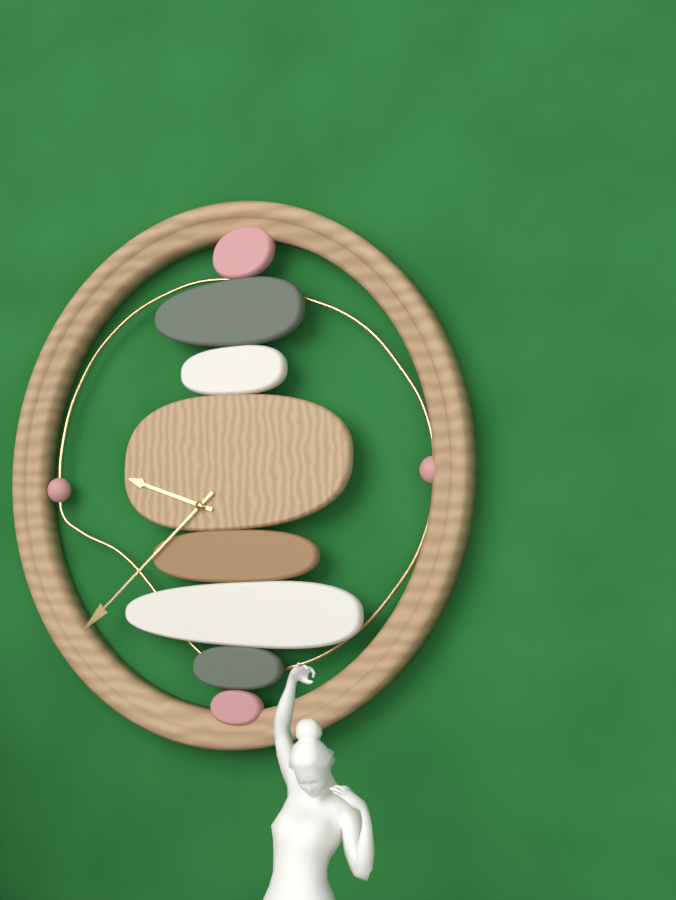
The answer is 9:38
